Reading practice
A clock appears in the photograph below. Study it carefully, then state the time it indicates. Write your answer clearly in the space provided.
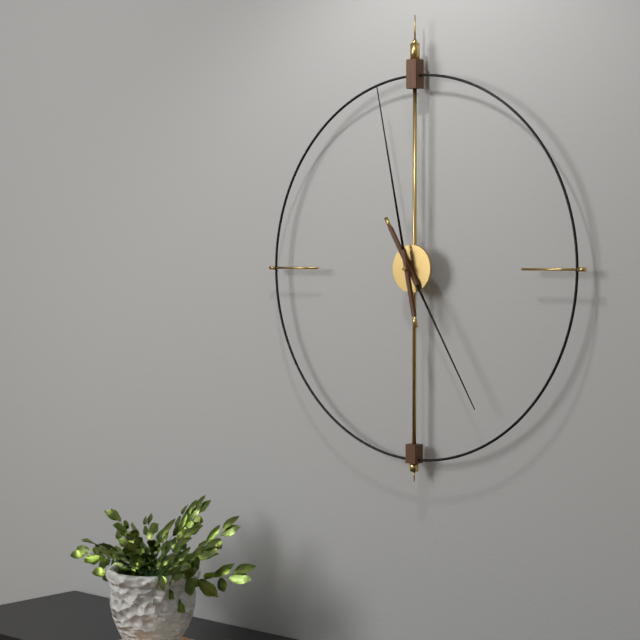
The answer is 4:58
